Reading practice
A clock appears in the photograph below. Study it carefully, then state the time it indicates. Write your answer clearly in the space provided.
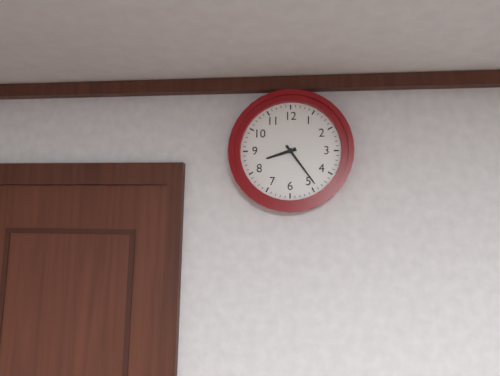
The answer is 8:24
